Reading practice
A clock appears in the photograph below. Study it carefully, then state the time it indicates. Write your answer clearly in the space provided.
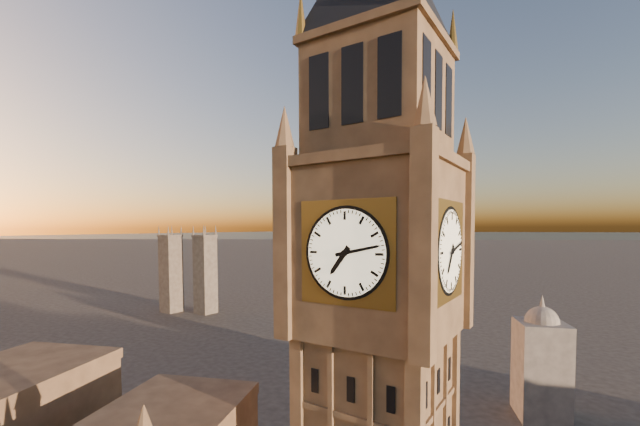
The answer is 7:13
